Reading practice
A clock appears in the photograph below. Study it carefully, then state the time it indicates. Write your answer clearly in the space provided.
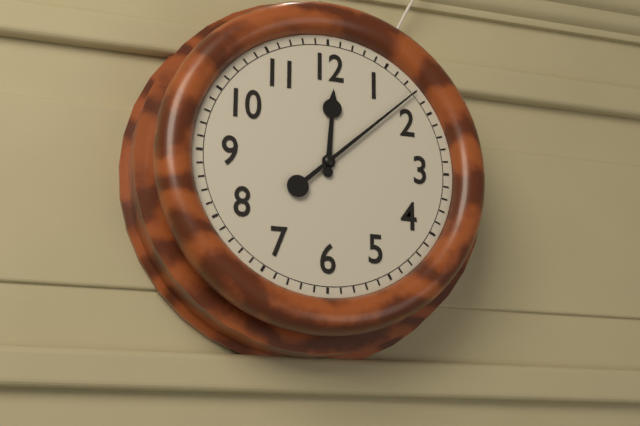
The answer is 12:08
